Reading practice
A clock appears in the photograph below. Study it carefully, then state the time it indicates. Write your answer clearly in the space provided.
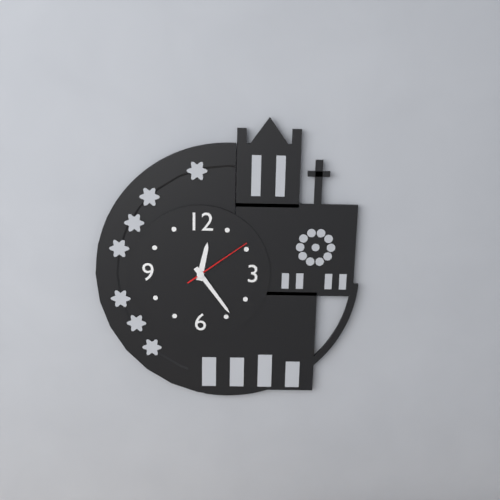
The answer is 12:24:09
